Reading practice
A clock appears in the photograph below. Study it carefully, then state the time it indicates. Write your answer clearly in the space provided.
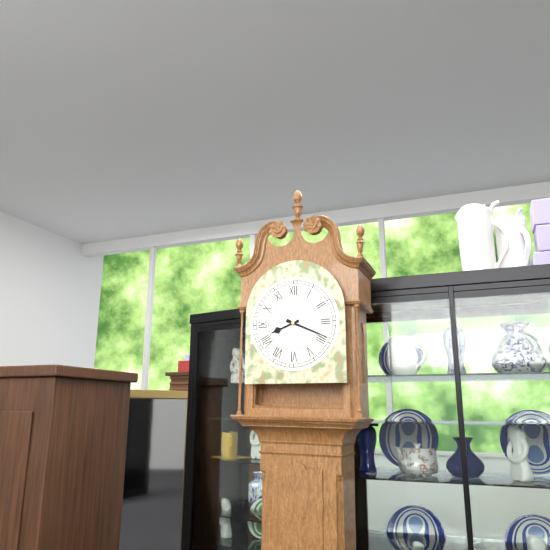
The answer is 8:19
